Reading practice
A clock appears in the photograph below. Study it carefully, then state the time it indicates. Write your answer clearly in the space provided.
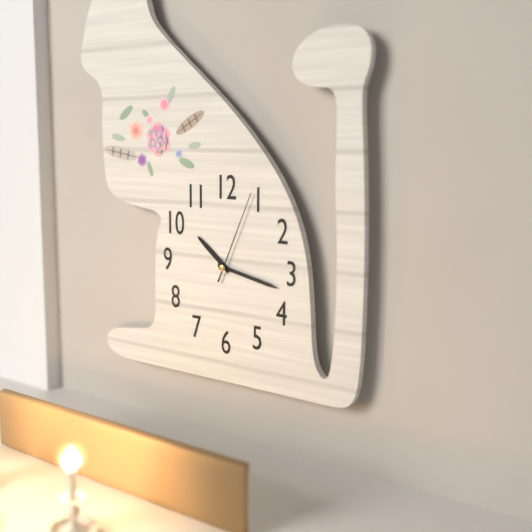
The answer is 10:17:04
